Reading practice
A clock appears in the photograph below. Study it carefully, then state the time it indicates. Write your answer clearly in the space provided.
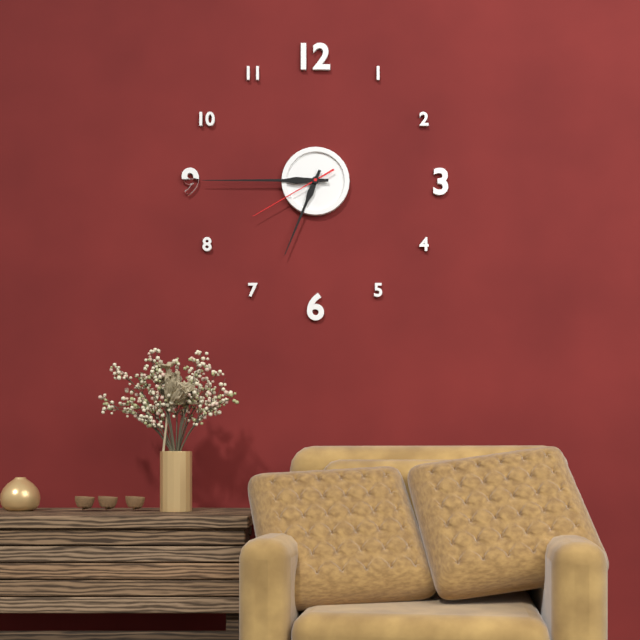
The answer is 6:45:40
